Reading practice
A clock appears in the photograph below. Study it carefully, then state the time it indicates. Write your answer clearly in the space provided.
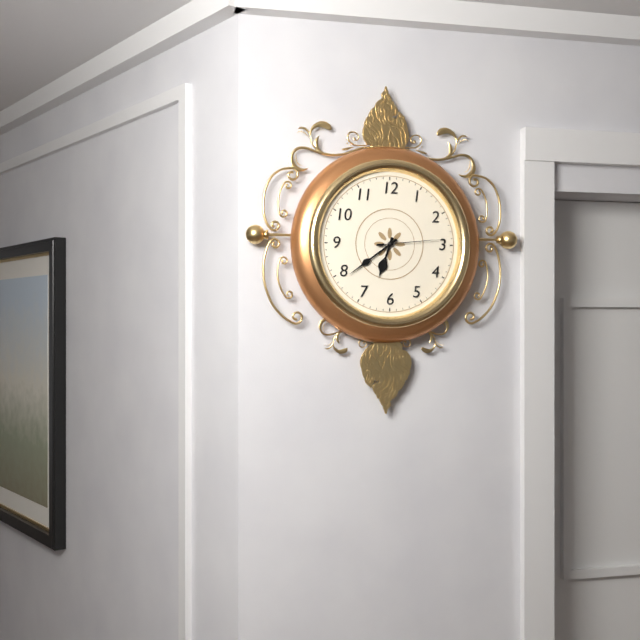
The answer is 6:39:14
